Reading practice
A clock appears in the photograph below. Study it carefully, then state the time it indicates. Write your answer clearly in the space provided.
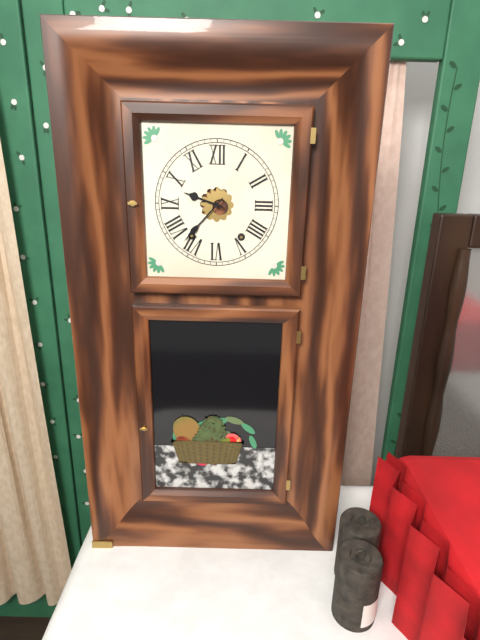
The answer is 9:37
